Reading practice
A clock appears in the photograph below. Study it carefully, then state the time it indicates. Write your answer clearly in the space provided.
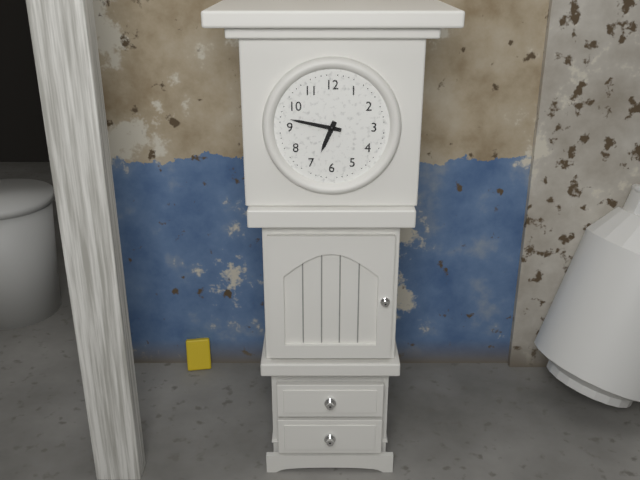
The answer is 6:47
